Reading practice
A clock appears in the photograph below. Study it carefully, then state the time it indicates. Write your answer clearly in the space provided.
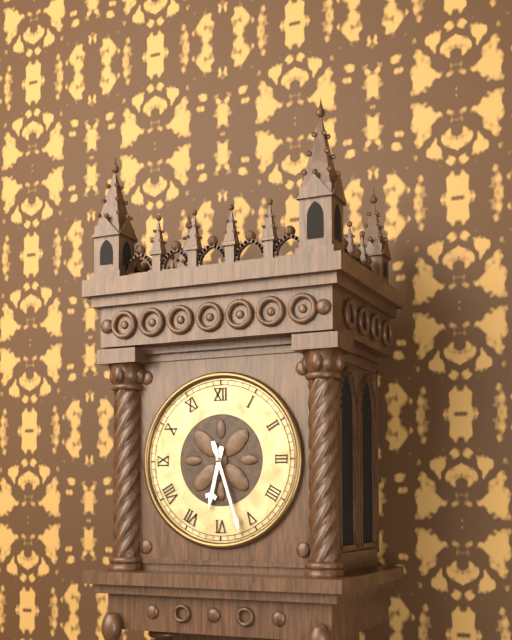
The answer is 6:27
